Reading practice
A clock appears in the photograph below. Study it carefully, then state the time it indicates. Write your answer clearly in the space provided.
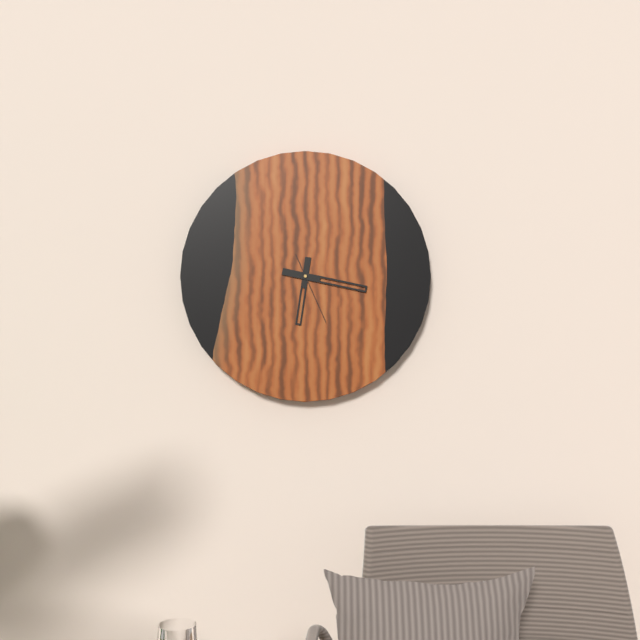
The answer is 6:17:26
